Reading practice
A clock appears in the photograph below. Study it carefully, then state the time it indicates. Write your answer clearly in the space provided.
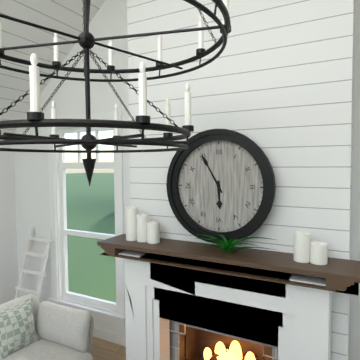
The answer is 5:55
